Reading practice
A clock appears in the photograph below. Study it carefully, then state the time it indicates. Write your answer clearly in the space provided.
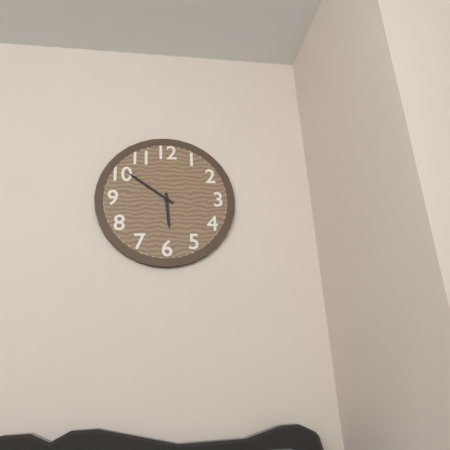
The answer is 5:51
